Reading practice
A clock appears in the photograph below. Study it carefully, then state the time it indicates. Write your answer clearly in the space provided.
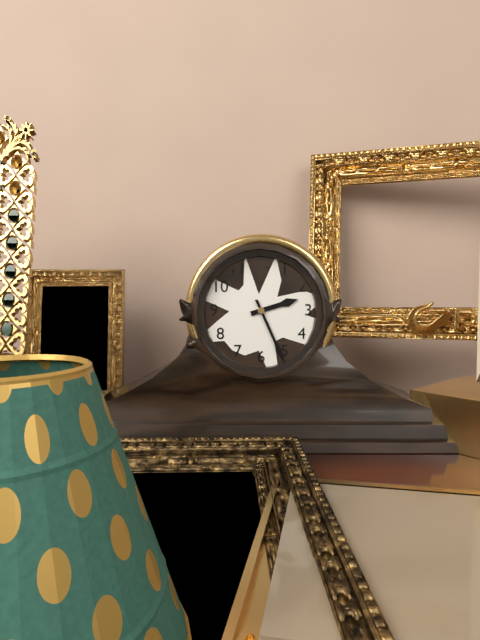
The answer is 2:26
